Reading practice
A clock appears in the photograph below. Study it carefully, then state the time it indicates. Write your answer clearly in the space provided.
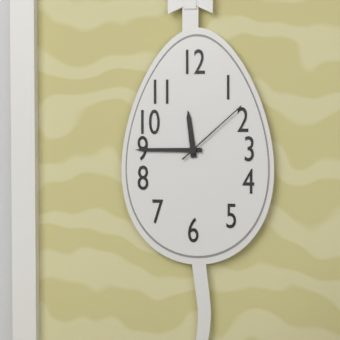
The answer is 11:45:08
